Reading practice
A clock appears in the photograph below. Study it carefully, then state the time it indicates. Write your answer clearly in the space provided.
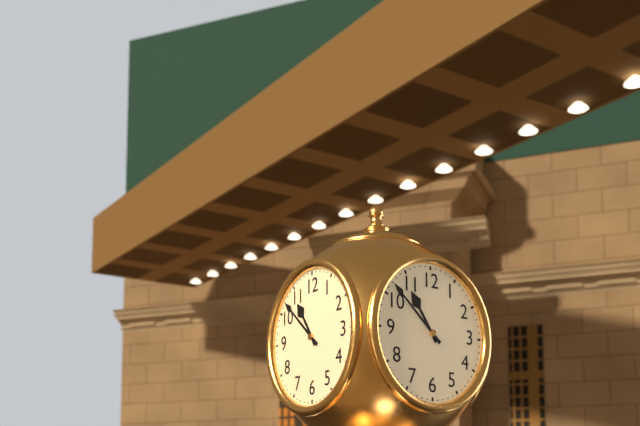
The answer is 10:52
